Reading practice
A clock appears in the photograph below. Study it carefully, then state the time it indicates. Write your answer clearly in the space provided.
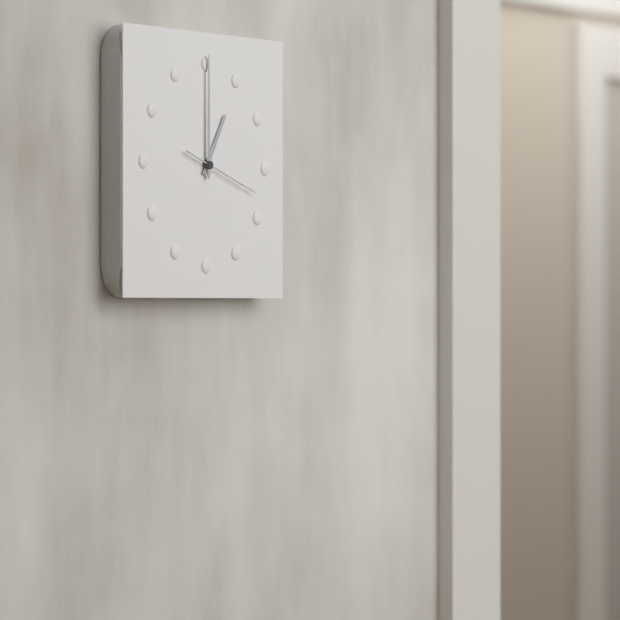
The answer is 1:00:18
